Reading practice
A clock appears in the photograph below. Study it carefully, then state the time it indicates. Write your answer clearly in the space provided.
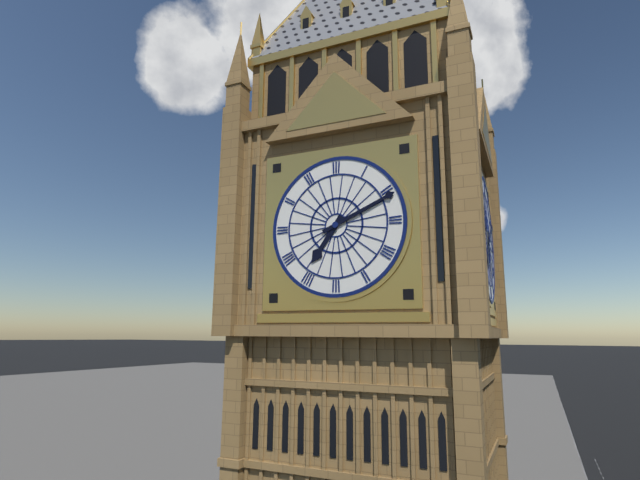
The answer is 7:11
